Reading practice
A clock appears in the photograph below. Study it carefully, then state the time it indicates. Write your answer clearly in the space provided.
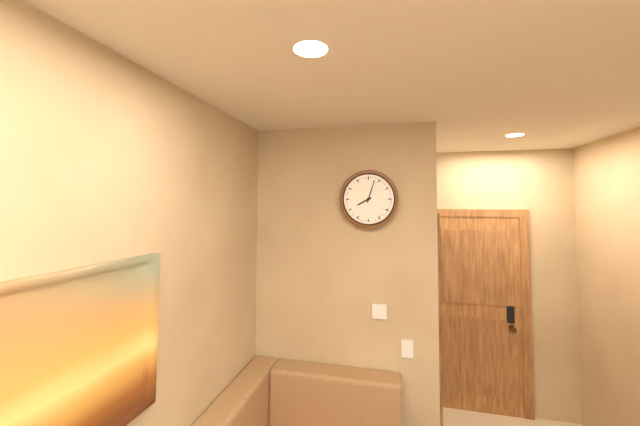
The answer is 8:03
